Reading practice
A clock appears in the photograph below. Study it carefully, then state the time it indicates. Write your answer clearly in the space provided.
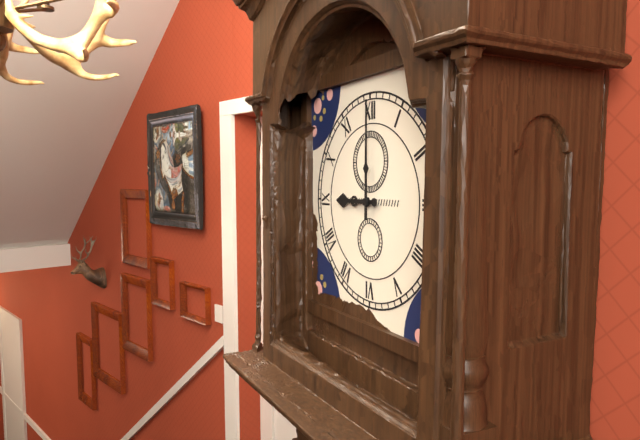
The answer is 9:00
